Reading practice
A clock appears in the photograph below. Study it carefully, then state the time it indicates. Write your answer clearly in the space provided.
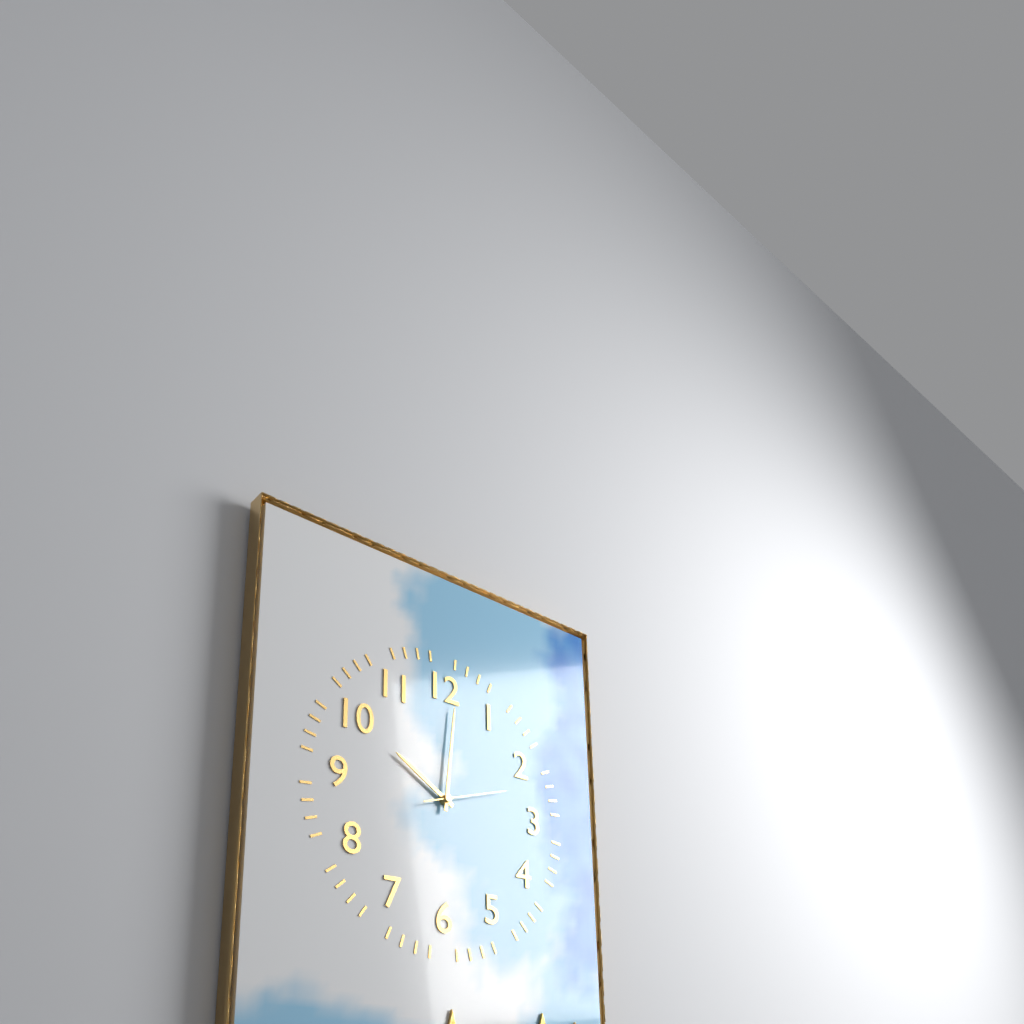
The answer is 10:01:12
